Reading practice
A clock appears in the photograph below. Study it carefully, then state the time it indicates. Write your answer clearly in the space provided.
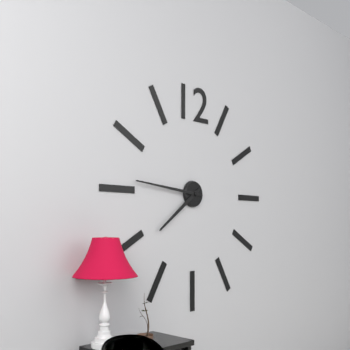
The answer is 7:46
